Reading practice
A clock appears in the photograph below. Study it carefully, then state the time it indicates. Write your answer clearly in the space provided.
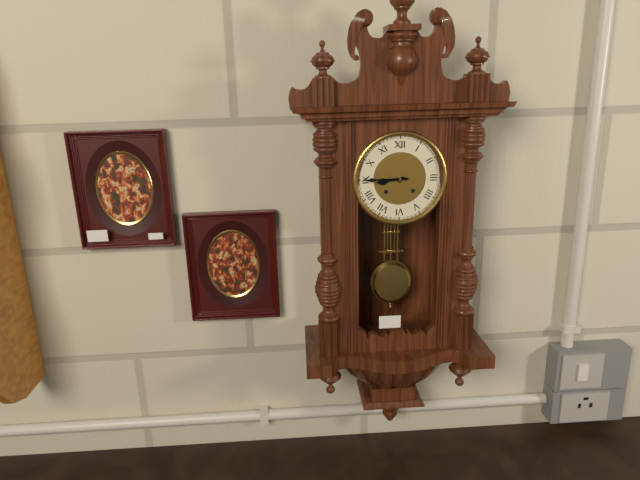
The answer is 8:45
